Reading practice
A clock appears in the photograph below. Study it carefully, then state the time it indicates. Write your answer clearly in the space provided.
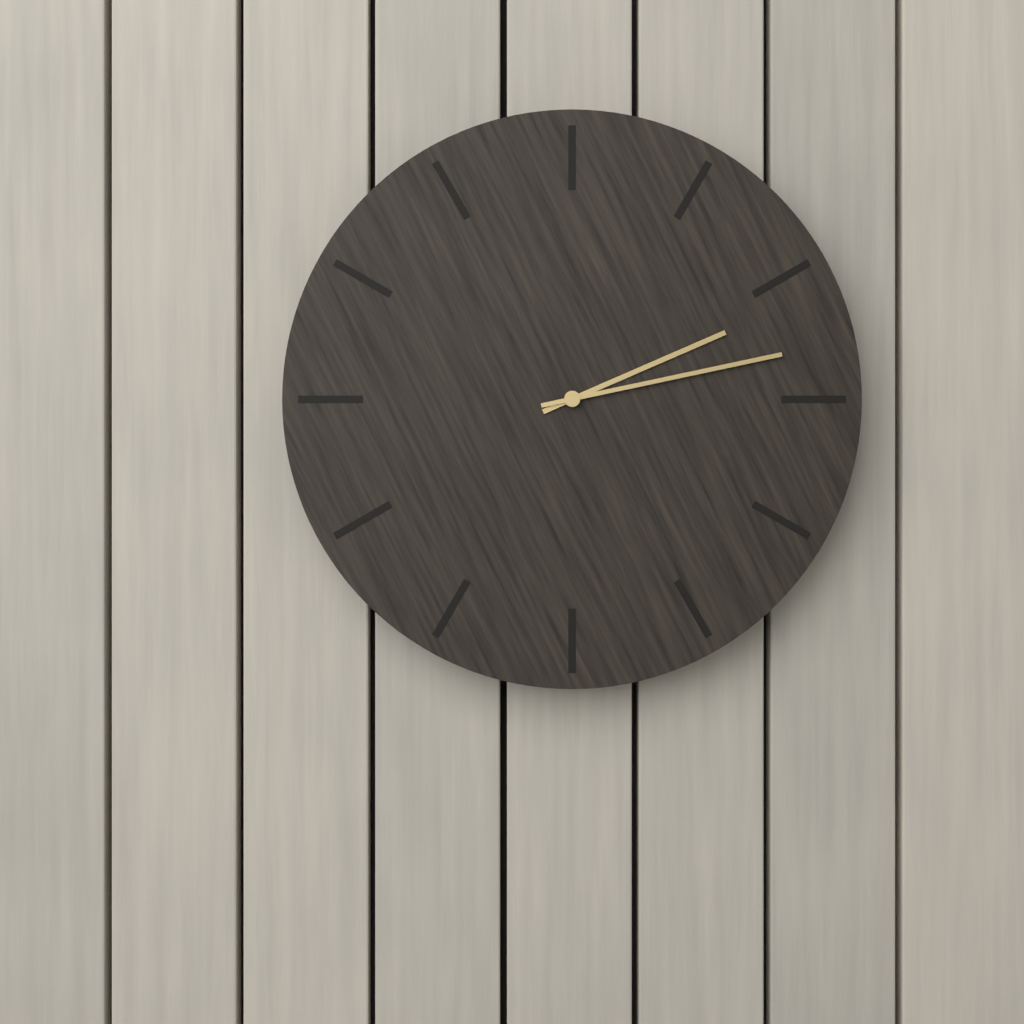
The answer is 2:13
